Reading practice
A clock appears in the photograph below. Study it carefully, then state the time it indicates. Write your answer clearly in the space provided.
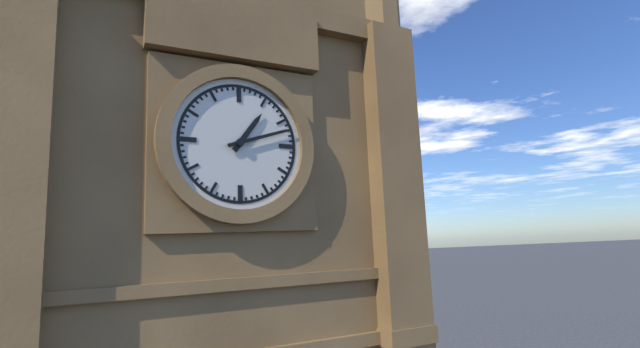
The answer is 1:12
